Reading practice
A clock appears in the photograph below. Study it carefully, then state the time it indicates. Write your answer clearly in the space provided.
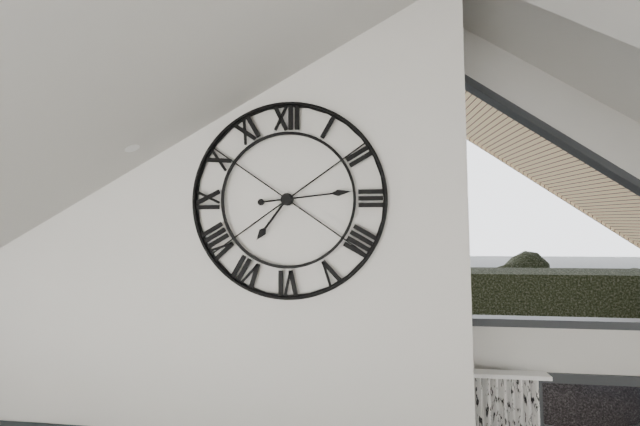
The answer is 7:14
